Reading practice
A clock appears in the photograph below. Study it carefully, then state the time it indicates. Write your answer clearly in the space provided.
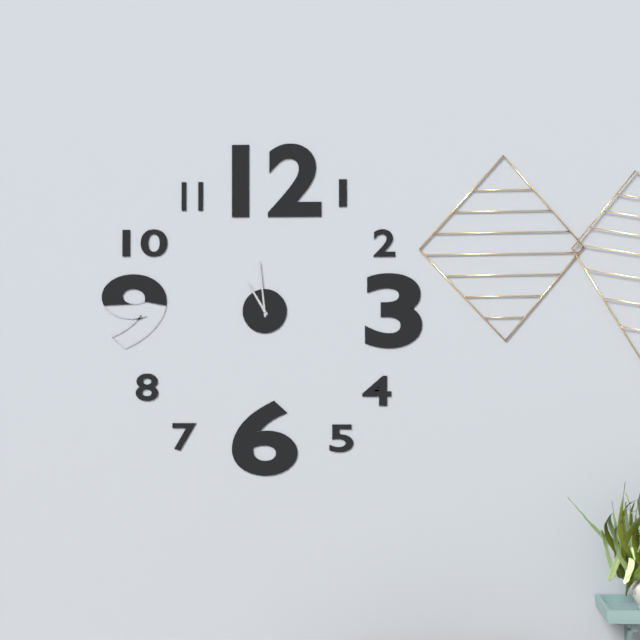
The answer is 10:59
